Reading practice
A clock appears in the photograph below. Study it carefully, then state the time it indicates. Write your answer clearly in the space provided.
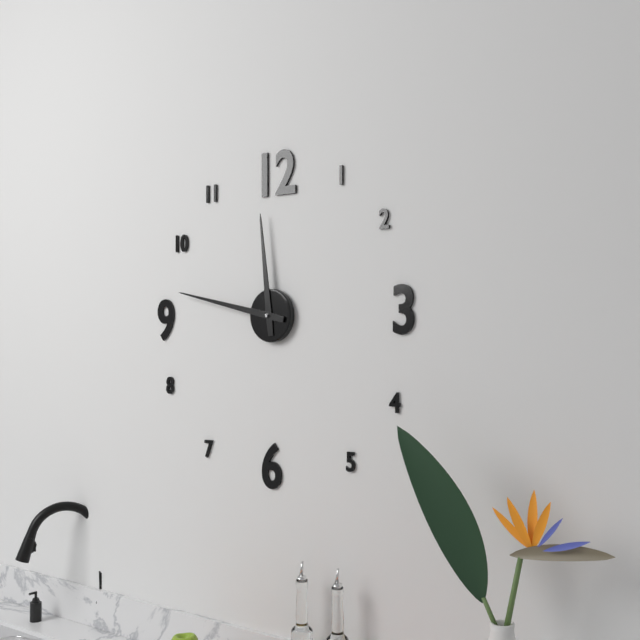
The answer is 11:47
